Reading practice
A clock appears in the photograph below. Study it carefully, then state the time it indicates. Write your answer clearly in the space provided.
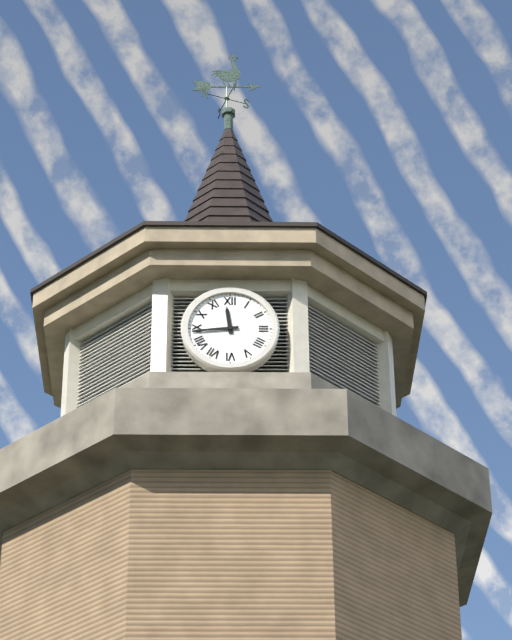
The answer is 11:44
